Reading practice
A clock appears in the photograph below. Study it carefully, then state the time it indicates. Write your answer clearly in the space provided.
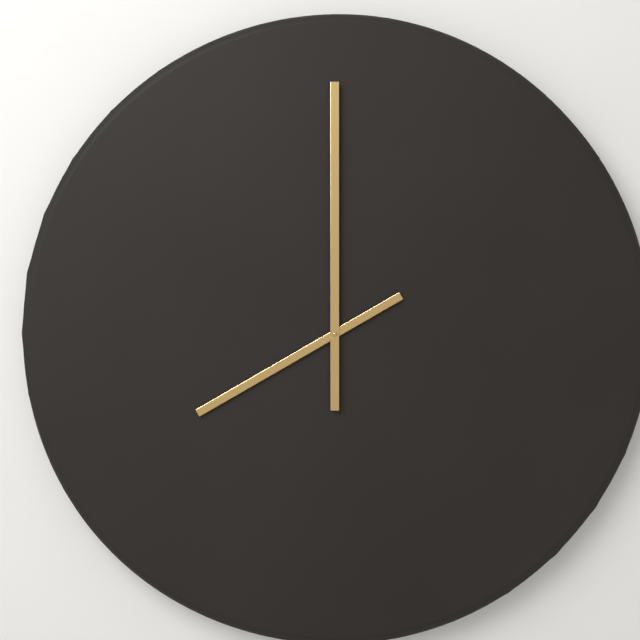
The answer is 8:00
